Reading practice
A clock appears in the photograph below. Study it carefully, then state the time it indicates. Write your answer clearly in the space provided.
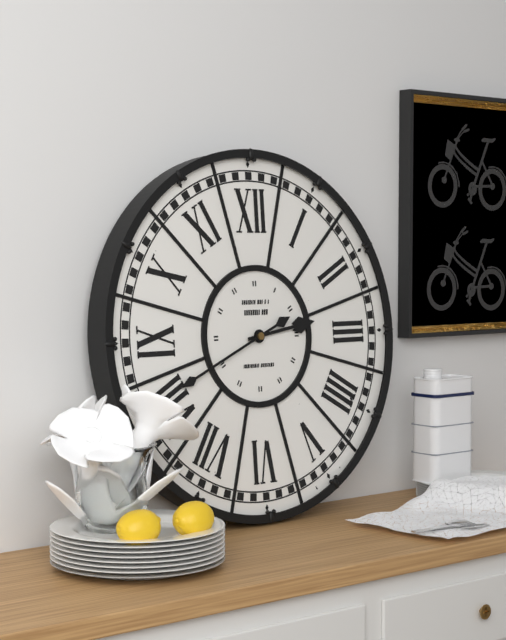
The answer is 2:41
